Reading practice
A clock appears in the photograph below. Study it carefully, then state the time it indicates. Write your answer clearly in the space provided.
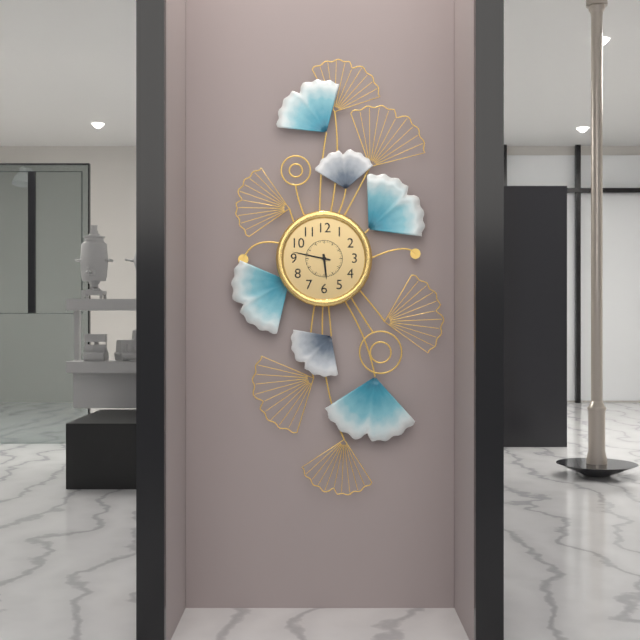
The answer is 5:47
